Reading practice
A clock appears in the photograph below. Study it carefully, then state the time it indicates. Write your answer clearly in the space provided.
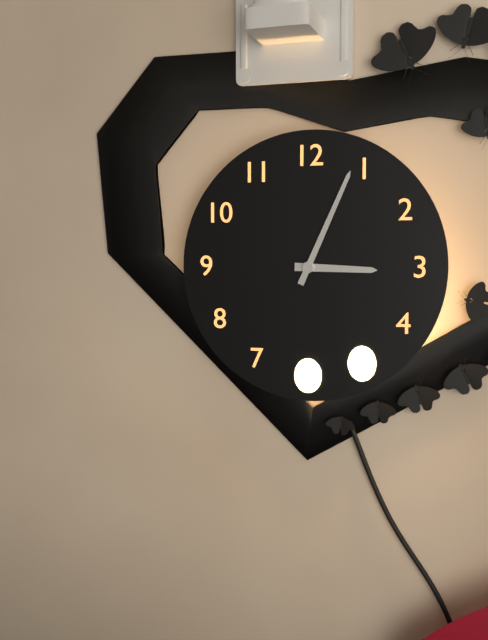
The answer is 3:04
